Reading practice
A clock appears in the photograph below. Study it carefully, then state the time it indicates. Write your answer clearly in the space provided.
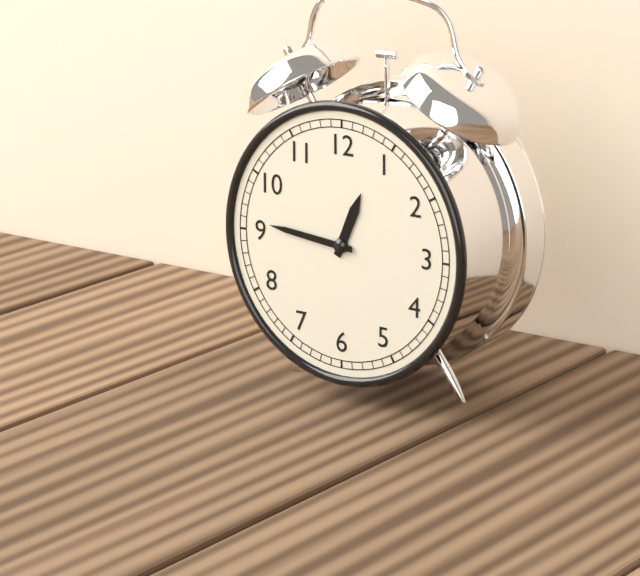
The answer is 12:46
